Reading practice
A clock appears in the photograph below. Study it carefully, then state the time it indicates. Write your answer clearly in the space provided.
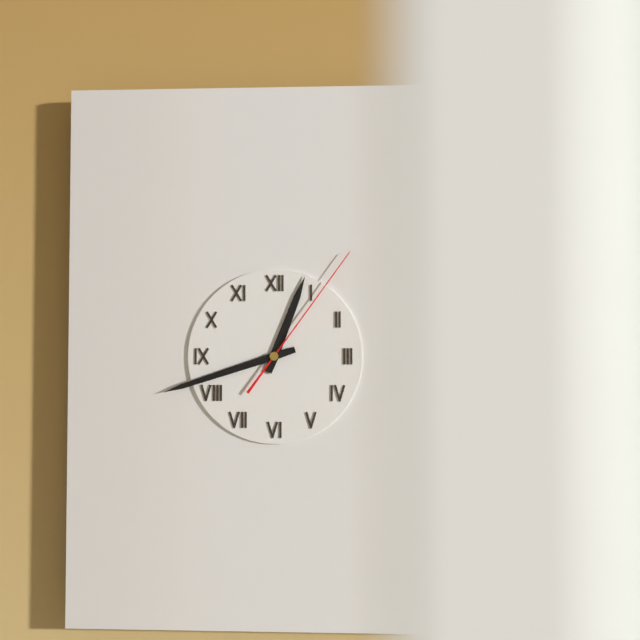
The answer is 12:42:06
